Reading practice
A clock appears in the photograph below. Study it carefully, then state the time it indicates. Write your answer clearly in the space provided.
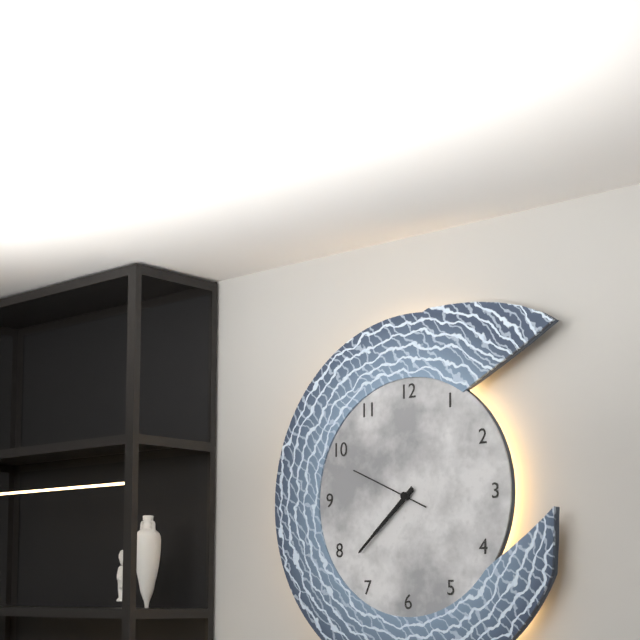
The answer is 7:38:49
